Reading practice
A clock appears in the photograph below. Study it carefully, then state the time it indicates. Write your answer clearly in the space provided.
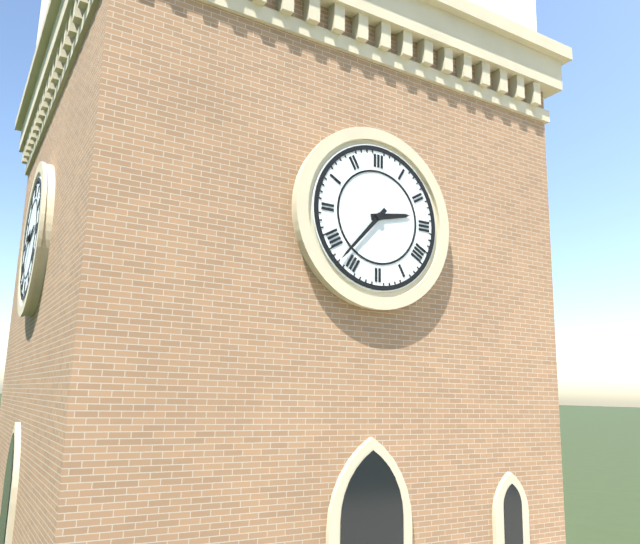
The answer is 2:37
